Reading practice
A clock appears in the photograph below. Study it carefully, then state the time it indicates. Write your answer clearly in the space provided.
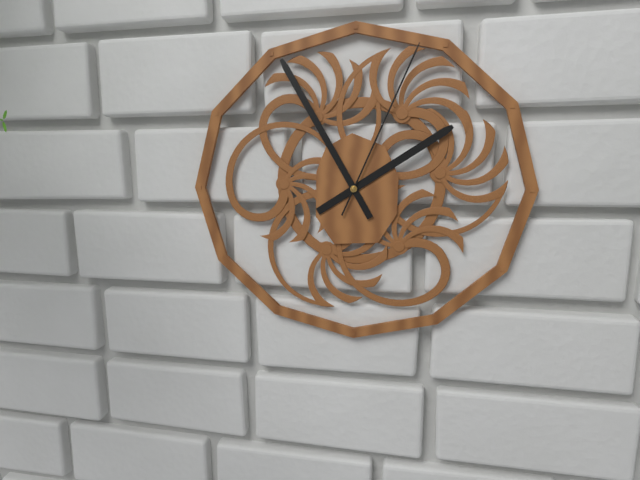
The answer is 1:55:04
